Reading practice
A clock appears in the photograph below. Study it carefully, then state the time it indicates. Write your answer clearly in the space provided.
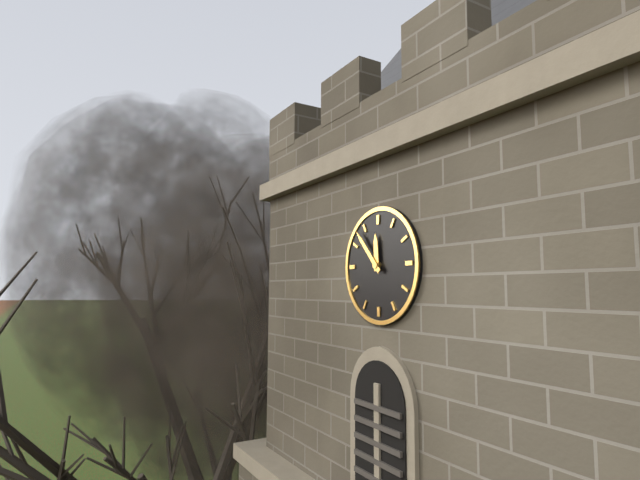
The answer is 11:53
